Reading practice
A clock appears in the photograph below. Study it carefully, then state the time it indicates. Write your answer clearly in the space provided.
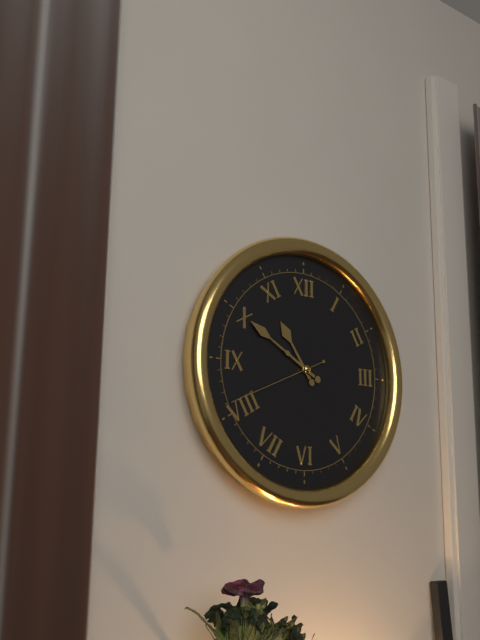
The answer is 10:50:41
